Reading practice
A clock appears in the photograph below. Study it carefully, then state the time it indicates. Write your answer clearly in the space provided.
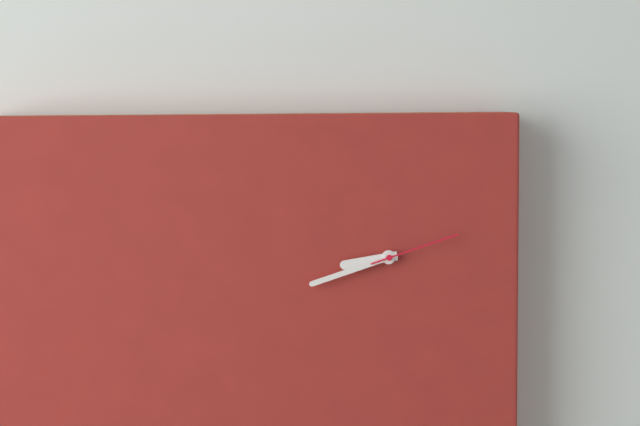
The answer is 8:42:12
